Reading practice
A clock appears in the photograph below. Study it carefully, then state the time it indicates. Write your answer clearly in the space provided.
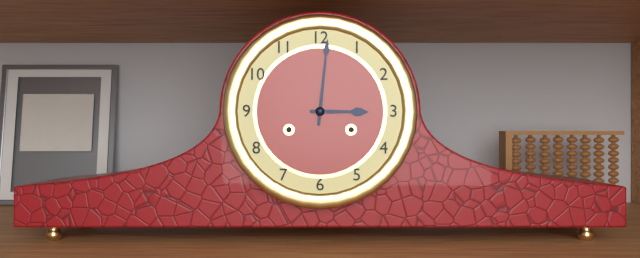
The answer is 3:01
